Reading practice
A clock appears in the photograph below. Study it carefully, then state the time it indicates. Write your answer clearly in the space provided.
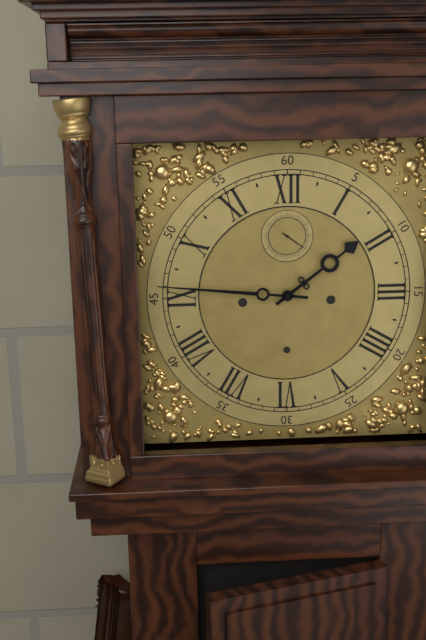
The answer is 1:46
